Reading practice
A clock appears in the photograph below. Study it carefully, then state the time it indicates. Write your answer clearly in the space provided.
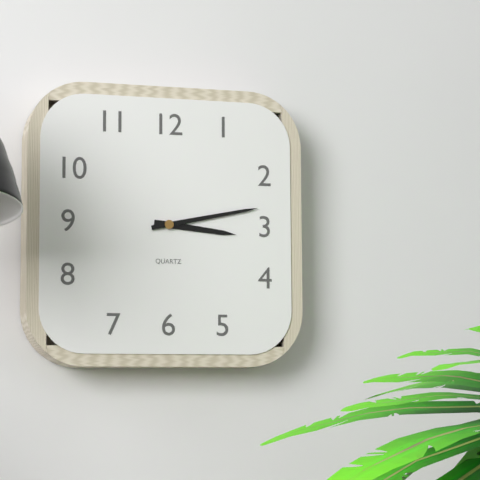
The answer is 3:13
